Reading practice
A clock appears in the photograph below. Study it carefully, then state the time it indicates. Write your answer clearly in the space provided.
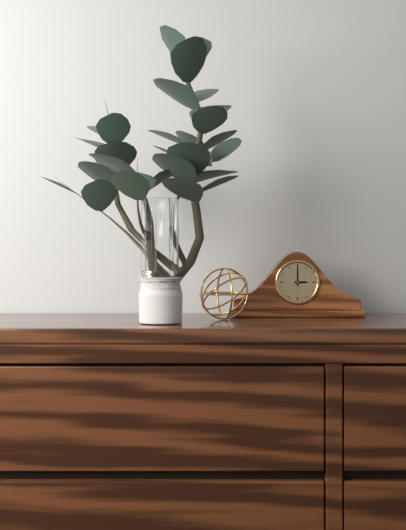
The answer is 3:00
